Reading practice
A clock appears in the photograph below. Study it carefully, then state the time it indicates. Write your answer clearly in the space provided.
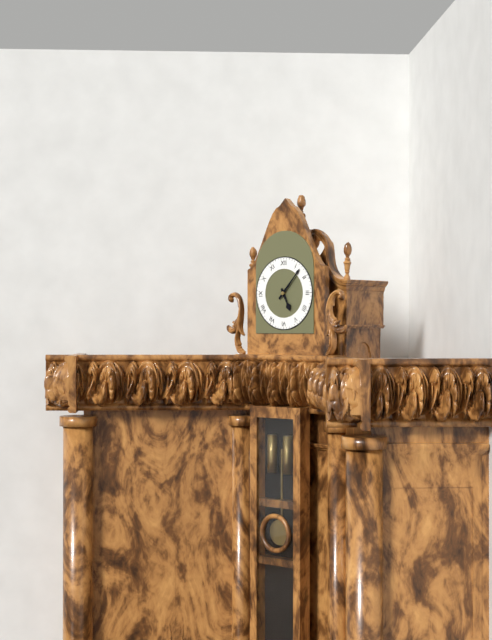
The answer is 5:07
